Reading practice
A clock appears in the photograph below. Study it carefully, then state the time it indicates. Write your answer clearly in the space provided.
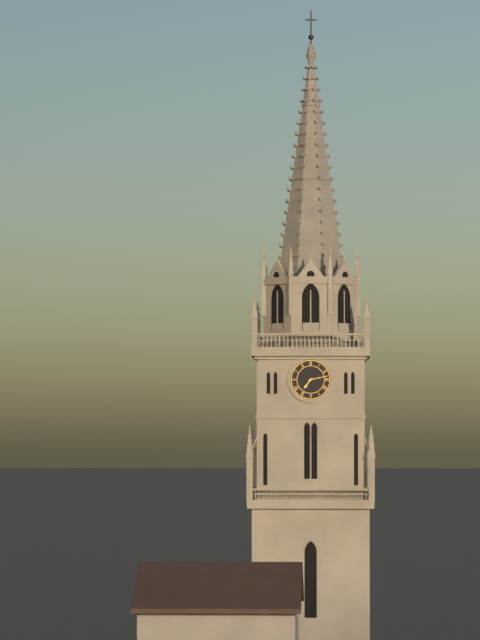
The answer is 7:13
